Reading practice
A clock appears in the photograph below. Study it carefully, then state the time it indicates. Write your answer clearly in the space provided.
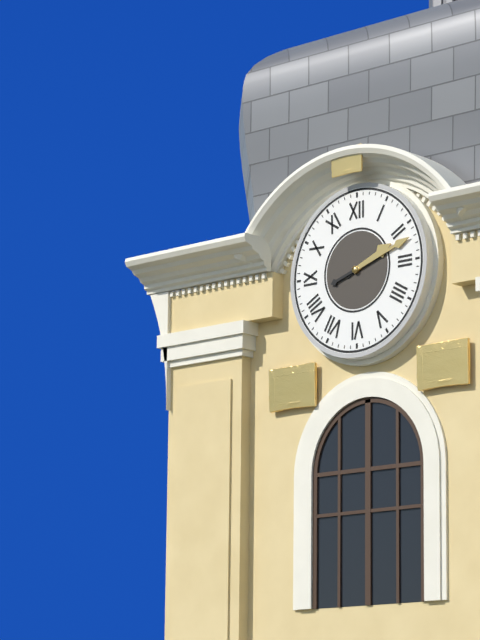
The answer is 2:12
